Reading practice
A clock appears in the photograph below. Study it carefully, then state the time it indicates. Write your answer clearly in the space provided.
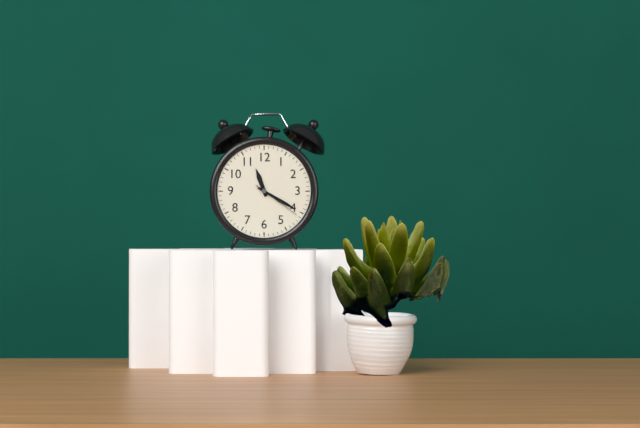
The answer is 11:20:21
